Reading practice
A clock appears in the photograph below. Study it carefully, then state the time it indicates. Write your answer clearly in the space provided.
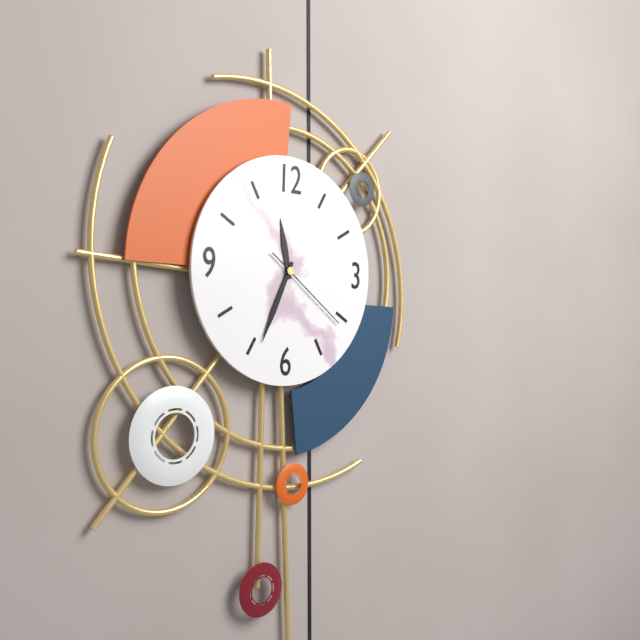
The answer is 11:34:21
